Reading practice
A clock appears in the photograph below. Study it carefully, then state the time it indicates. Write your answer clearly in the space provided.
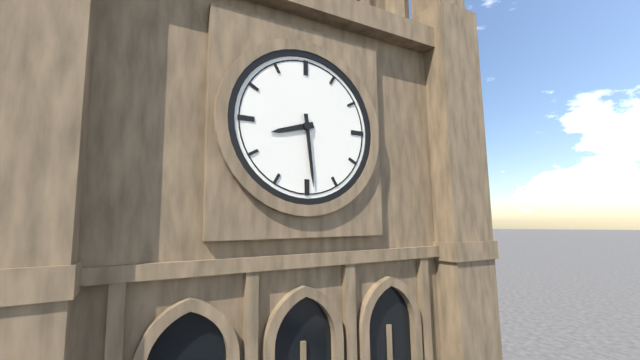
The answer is 8:29
